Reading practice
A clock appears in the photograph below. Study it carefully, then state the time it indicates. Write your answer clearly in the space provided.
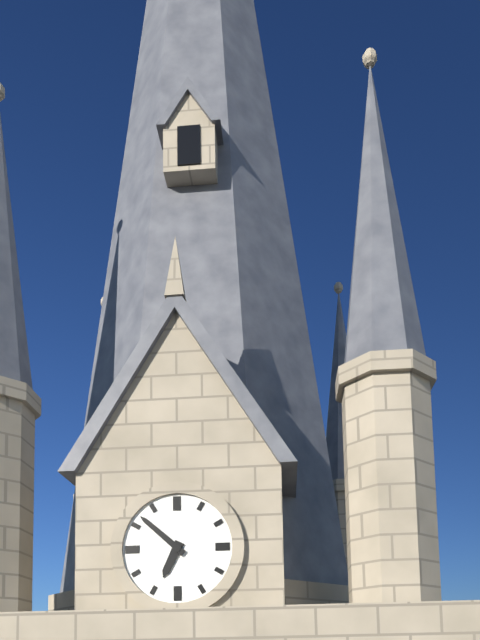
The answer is 6:52
